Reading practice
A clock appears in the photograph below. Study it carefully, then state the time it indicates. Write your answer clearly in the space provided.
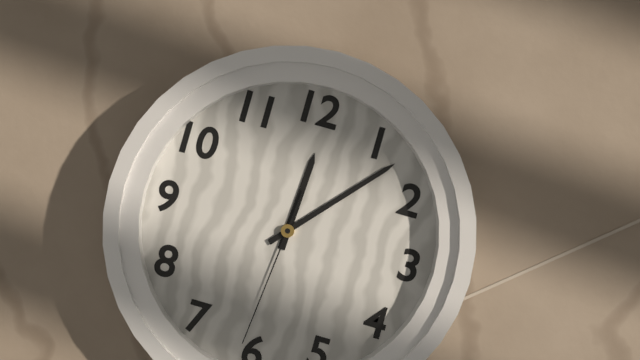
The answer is 12:07:31
